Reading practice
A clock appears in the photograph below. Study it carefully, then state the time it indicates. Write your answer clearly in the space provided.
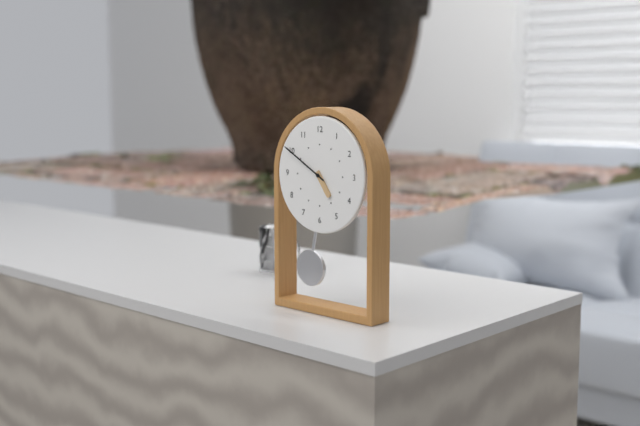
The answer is 4:50
